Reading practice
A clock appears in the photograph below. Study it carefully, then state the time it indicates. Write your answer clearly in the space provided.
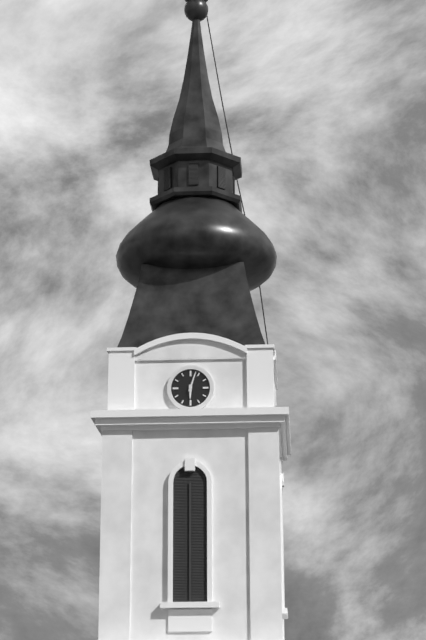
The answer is 6:03
